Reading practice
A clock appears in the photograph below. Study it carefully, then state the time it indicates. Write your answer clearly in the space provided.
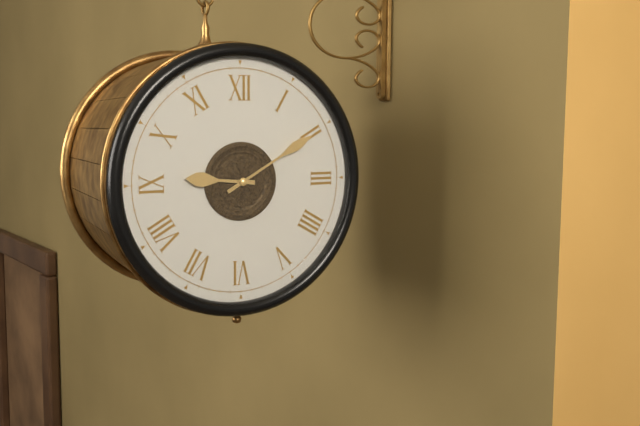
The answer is 9:10
